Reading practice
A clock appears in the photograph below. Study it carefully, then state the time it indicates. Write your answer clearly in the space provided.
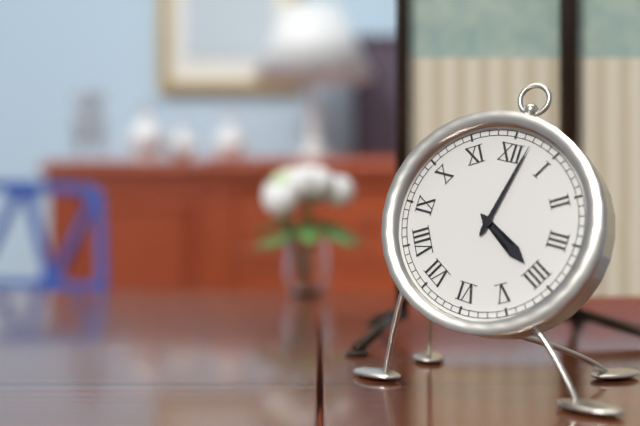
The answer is 4:02
